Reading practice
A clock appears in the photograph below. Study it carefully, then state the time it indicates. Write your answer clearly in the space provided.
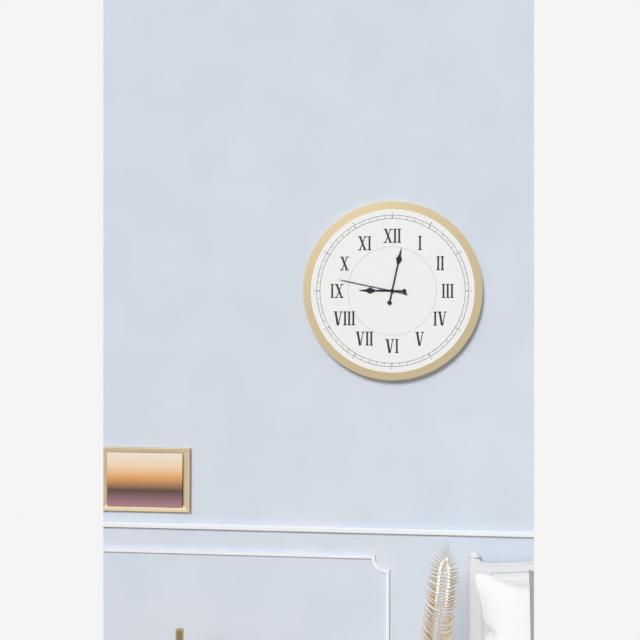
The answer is 9:02:47
